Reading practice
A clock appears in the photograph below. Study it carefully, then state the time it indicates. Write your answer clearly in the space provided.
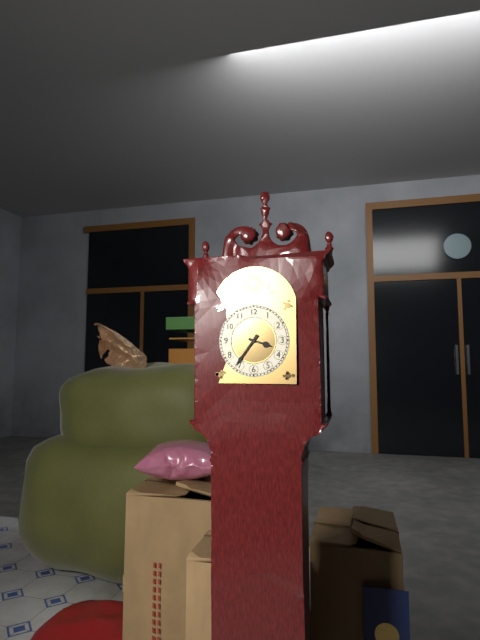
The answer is 3:36
